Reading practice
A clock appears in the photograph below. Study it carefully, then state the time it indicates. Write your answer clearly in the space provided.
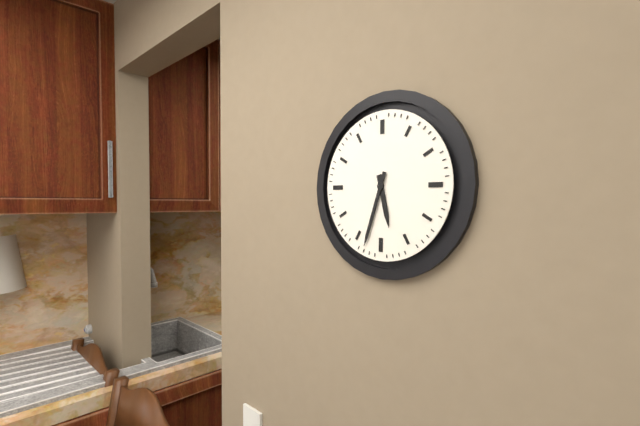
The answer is 5:33
